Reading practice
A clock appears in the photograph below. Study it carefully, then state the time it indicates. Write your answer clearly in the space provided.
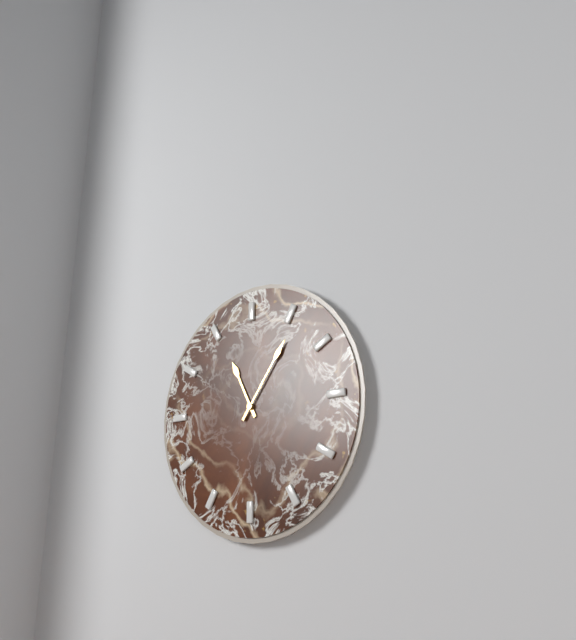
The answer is 11:06
